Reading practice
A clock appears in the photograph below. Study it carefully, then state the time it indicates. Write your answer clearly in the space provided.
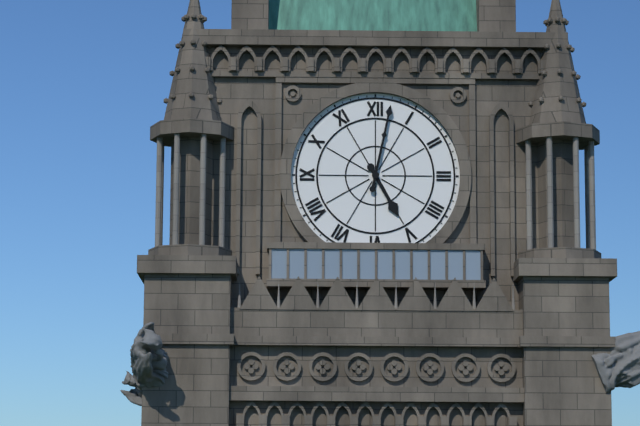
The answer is 5:02
